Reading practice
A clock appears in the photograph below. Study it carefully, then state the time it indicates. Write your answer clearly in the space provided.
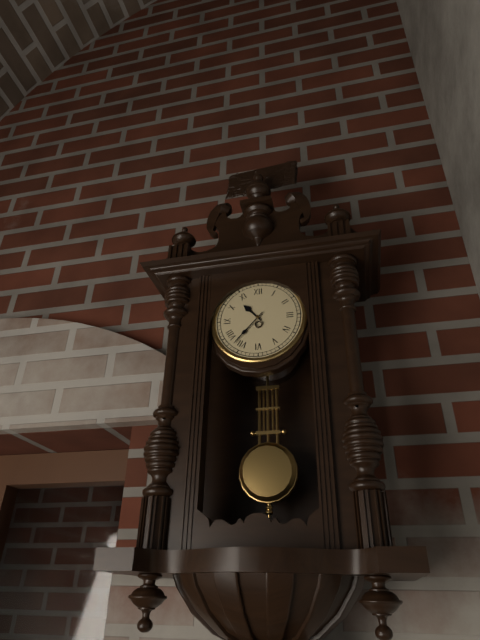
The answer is 10:37
